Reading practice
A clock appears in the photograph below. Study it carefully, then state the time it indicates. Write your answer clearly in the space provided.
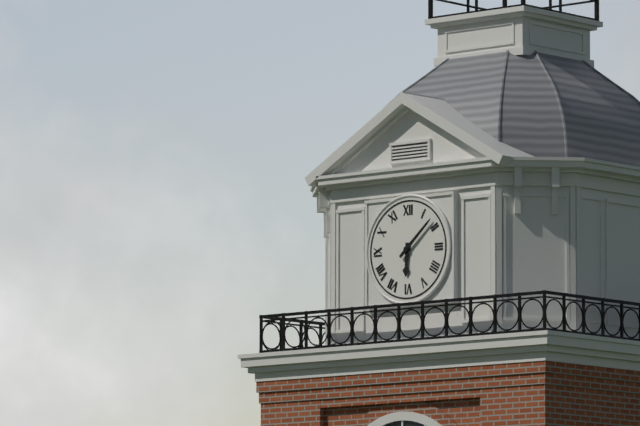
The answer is 6:08
